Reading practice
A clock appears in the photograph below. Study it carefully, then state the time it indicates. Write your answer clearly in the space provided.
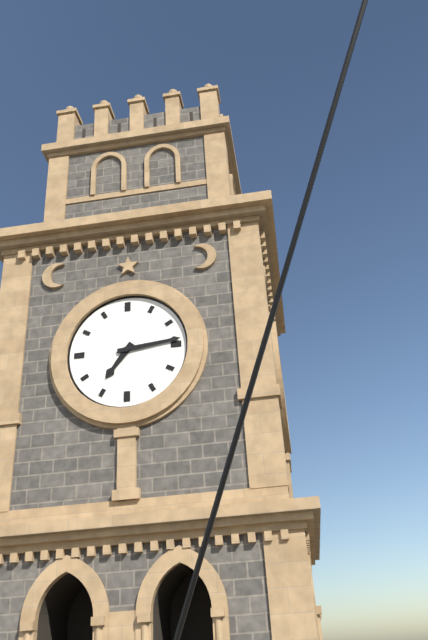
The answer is 7:14
